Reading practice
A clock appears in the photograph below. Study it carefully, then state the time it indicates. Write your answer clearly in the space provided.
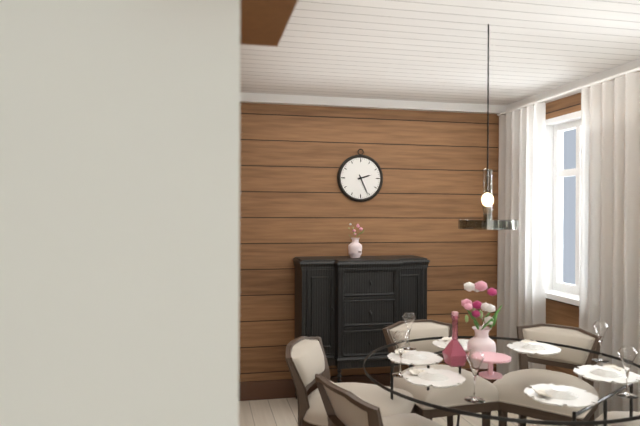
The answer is 2:26
